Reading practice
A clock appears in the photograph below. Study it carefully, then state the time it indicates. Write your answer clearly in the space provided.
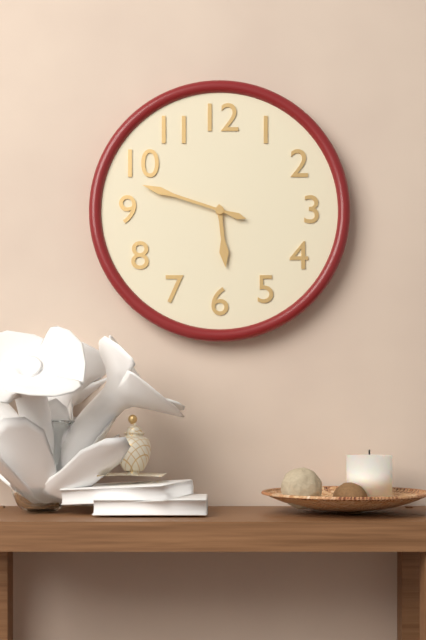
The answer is 5:48
